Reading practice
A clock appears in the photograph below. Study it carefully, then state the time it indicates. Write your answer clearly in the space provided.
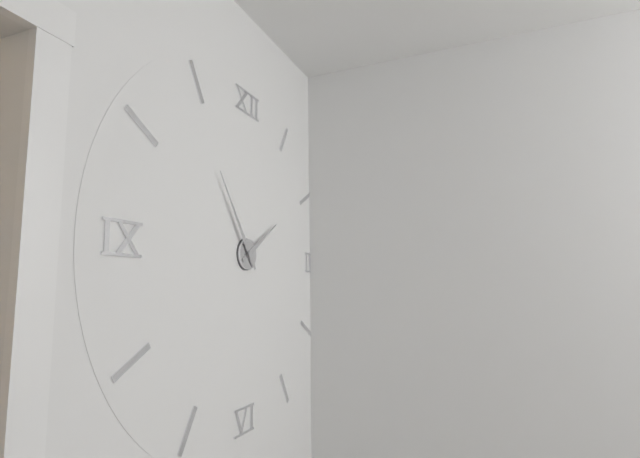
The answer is 1:54
